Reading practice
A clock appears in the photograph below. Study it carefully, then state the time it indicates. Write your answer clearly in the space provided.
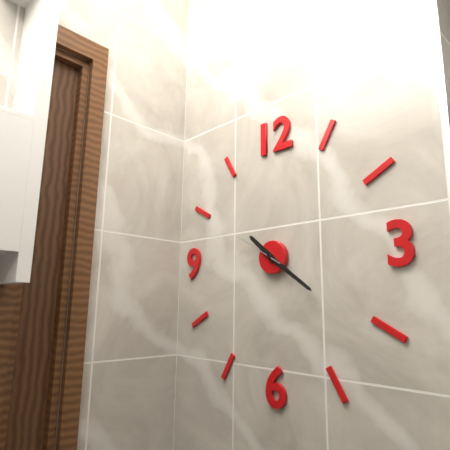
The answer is 10:21
